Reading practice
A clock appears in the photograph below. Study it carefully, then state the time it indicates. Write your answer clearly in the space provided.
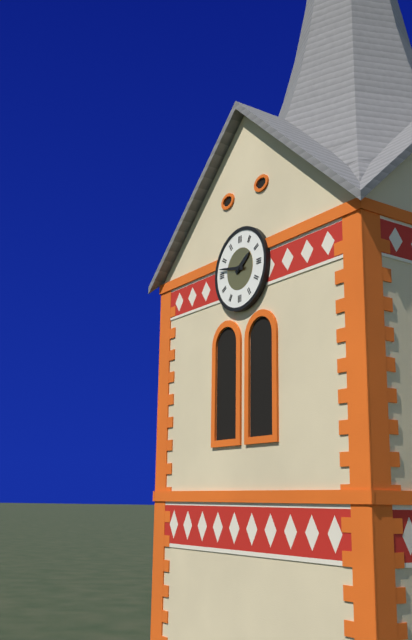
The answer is 1:47
